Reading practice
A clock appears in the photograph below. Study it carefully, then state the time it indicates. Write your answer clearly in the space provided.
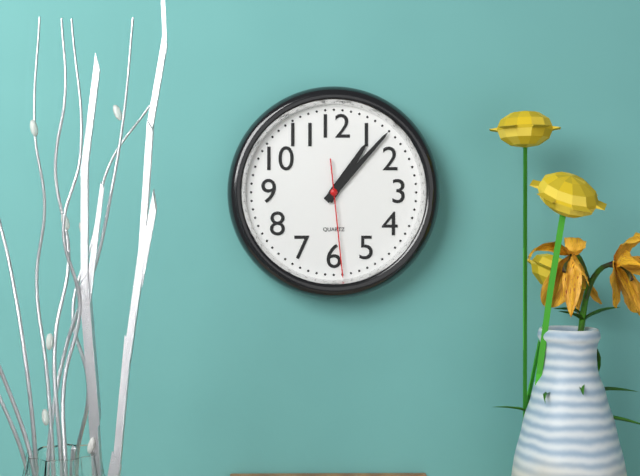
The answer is 1:07:29
